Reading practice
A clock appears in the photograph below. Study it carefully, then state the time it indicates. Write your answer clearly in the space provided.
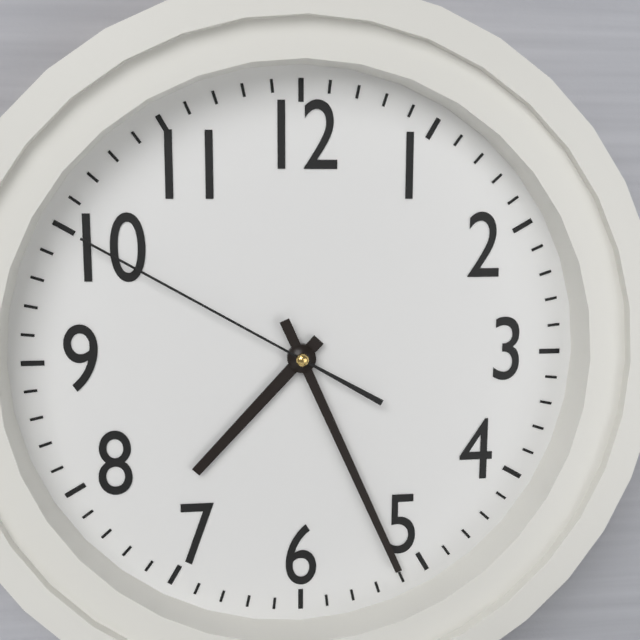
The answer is 7:26:50
